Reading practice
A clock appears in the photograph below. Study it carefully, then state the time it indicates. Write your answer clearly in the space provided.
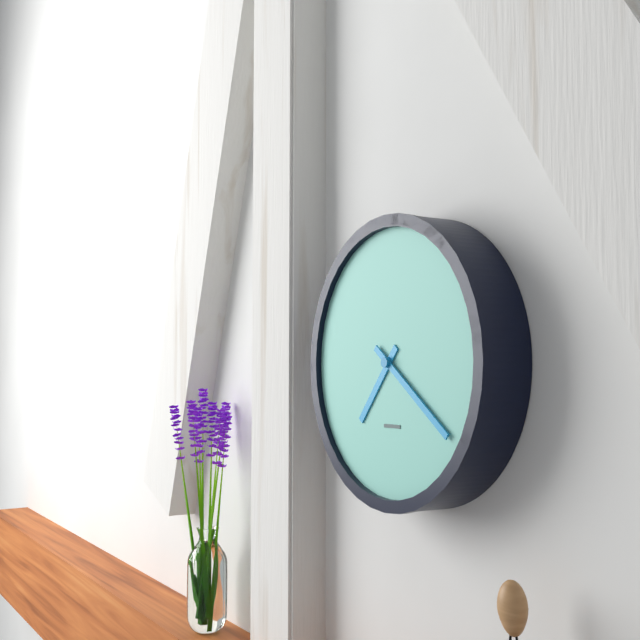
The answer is 7:21
